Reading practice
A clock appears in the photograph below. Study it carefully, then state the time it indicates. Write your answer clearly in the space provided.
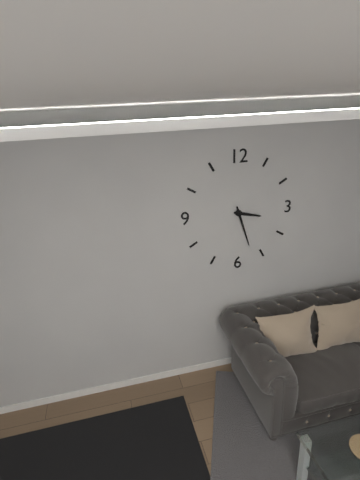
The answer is 3:27
